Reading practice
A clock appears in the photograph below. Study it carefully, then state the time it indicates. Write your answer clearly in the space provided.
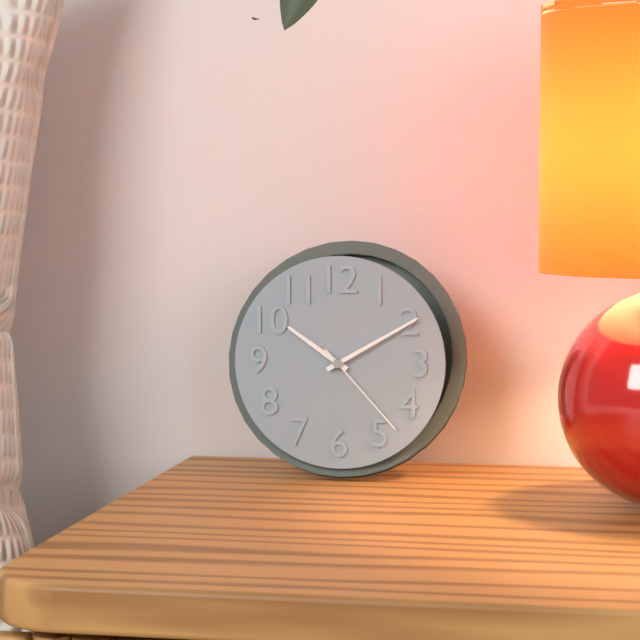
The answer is 10:10:23
